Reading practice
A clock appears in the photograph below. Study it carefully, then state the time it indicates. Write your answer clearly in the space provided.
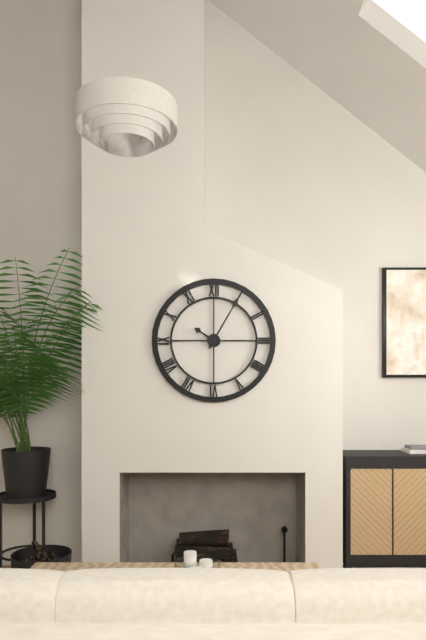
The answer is 10:05
